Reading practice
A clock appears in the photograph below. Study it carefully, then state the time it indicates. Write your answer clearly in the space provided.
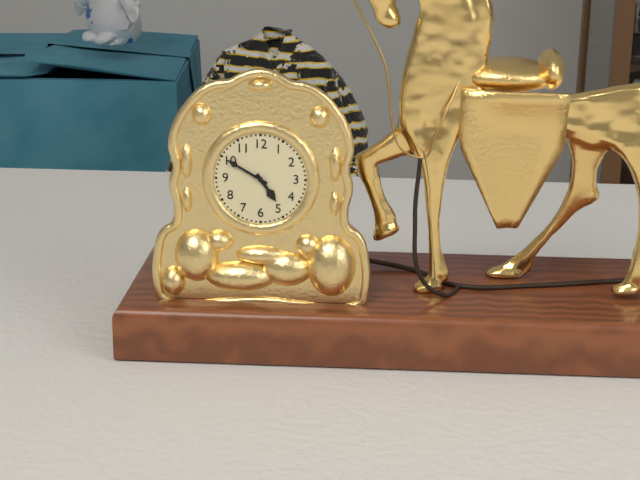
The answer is 4:50
